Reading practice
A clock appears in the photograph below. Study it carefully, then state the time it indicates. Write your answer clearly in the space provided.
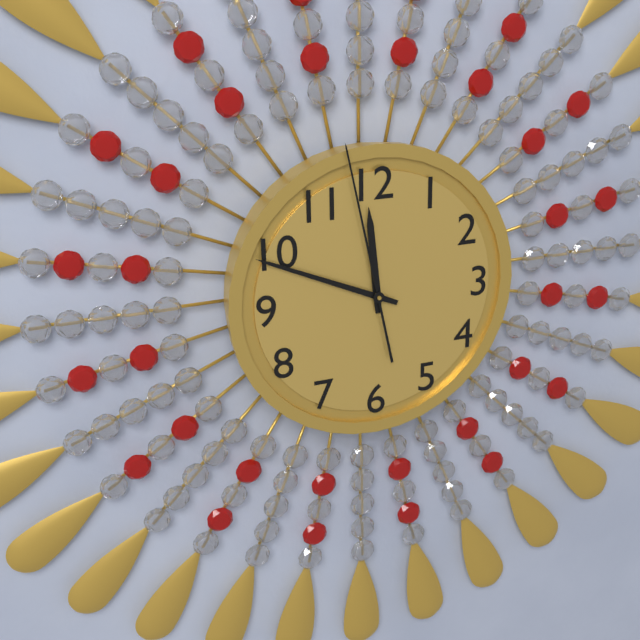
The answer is 11:49:58
